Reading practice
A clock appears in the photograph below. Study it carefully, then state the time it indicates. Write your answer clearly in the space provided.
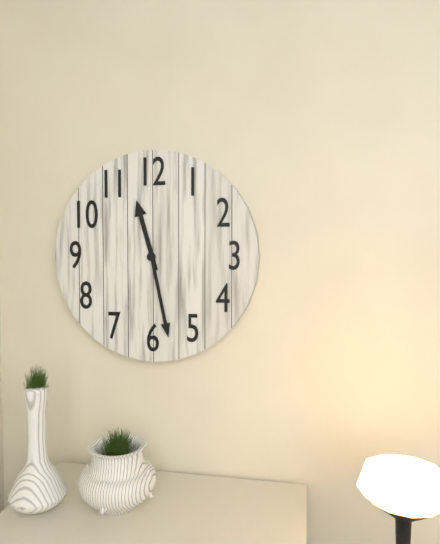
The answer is 11:28
